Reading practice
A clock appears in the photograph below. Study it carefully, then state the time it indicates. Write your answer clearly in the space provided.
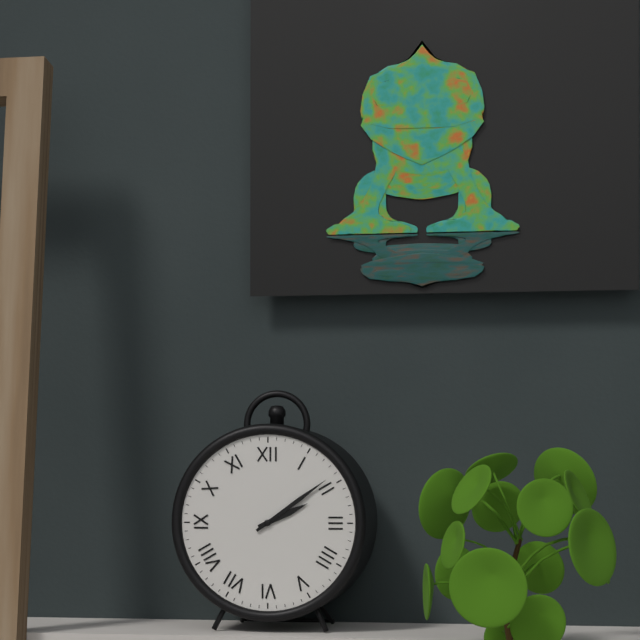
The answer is 2:09
